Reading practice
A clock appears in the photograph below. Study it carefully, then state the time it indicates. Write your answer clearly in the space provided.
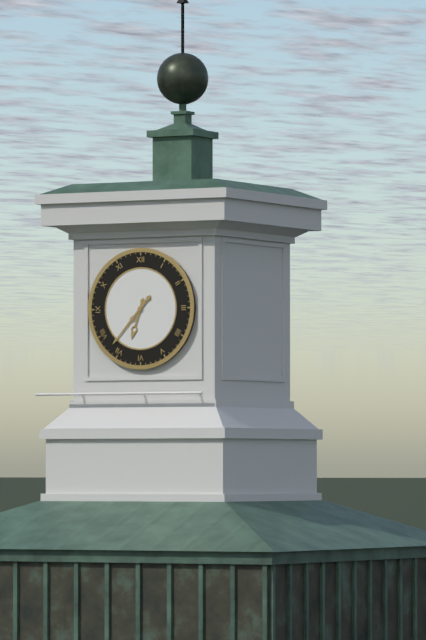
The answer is 6:37
